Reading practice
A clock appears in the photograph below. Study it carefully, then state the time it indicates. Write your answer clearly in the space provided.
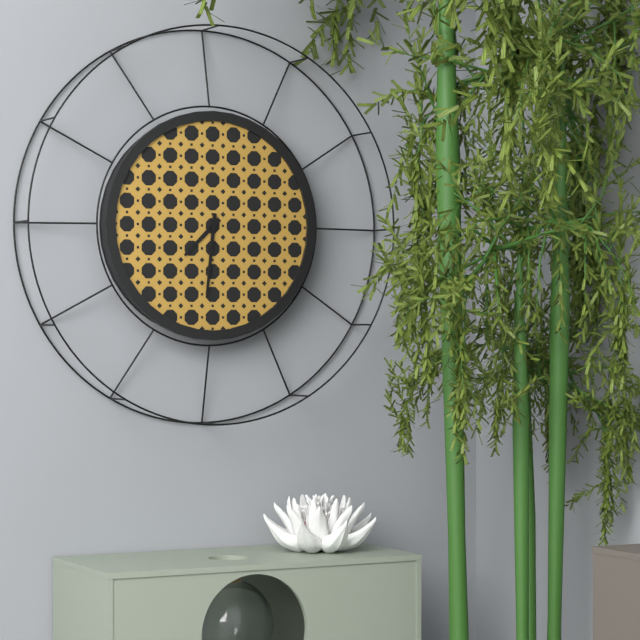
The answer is 7:31
